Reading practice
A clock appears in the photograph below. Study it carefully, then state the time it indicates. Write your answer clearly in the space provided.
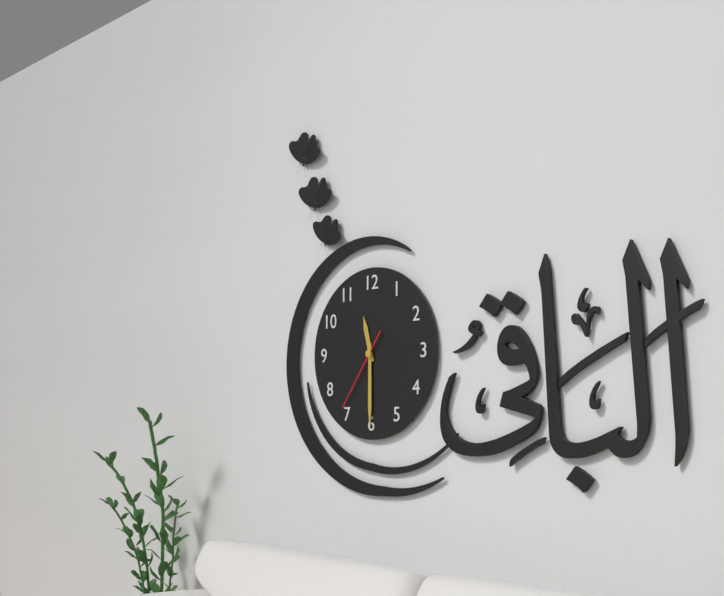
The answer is 11:30:36
